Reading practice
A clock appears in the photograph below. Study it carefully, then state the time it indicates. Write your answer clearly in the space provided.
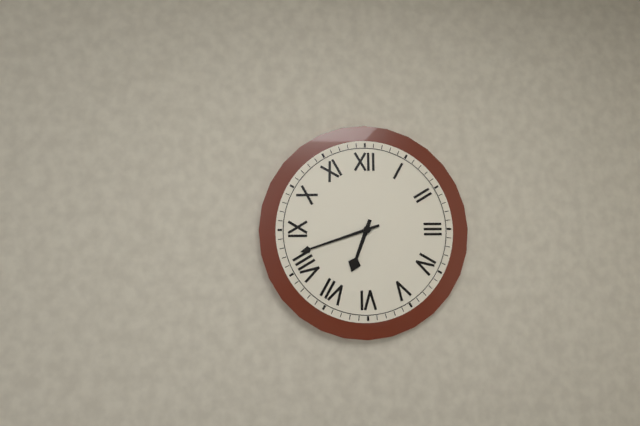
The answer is 6:42
